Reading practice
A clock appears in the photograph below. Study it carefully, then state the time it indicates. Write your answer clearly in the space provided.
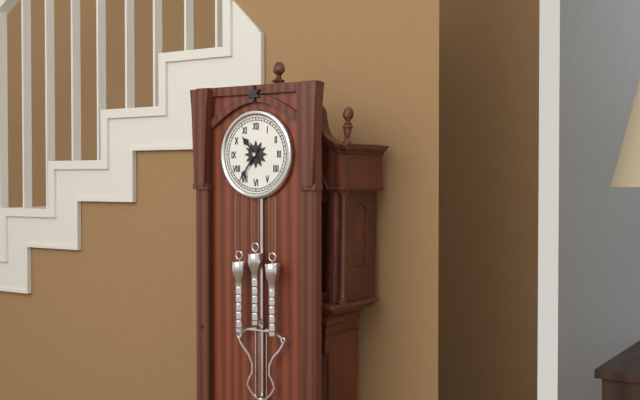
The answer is 10:36
